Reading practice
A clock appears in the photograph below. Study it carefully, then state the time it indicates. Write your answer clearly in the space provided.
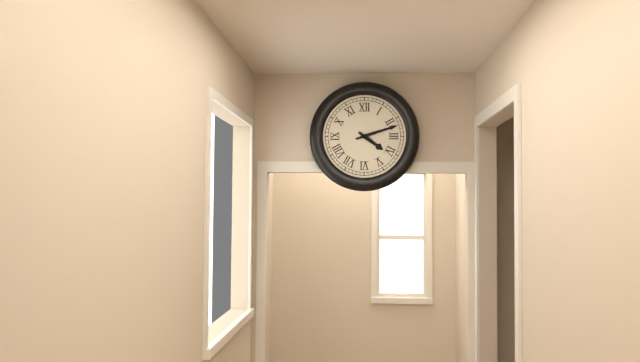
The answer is 4:12
